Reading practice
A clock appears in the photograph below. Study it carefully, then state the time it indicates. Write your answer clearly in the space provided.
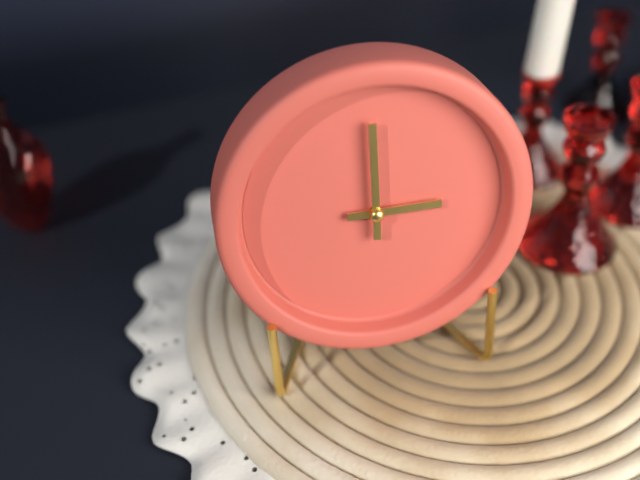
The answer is 3:00
